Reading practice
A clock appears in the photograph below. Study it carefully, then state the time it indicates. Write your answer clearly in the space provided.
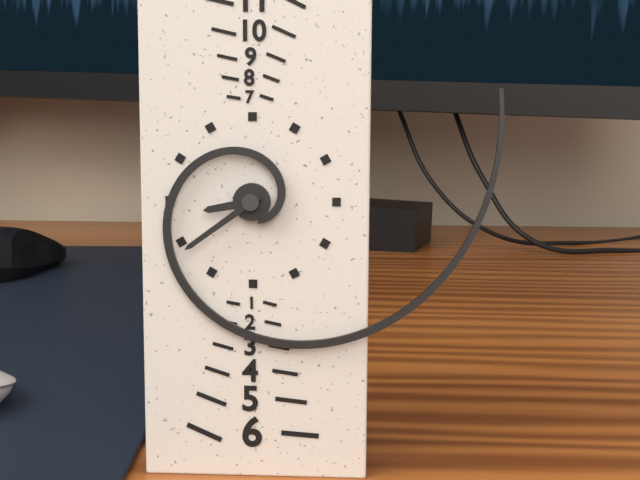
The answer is 8:39
